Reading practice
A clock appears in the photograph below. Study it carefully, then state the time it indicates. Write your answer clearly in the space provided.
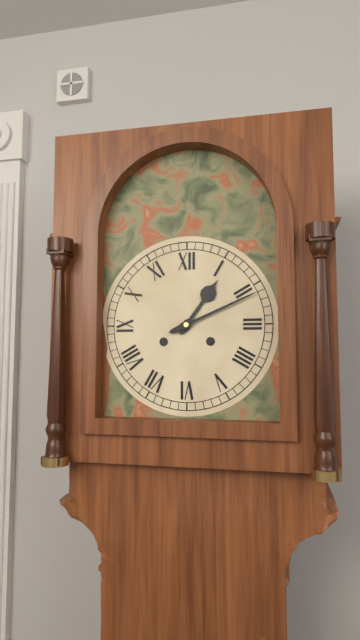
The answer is 1:11
